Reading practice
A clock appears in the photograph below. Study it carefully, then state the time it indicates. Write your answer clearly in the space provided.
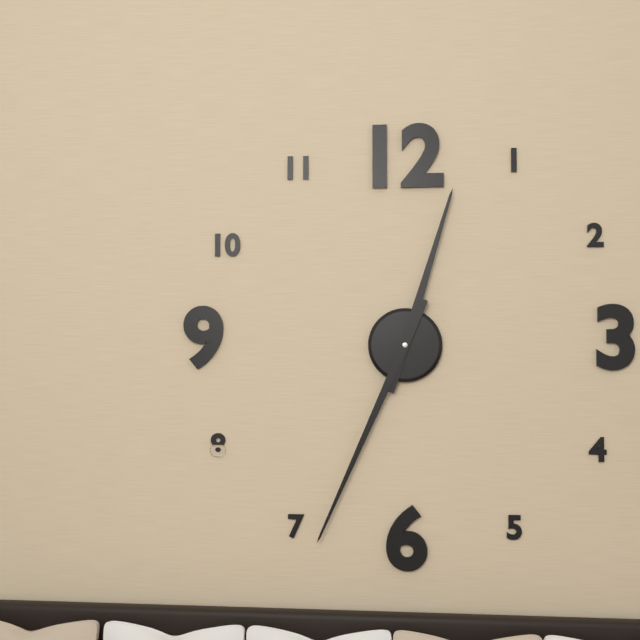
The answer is 12:34
